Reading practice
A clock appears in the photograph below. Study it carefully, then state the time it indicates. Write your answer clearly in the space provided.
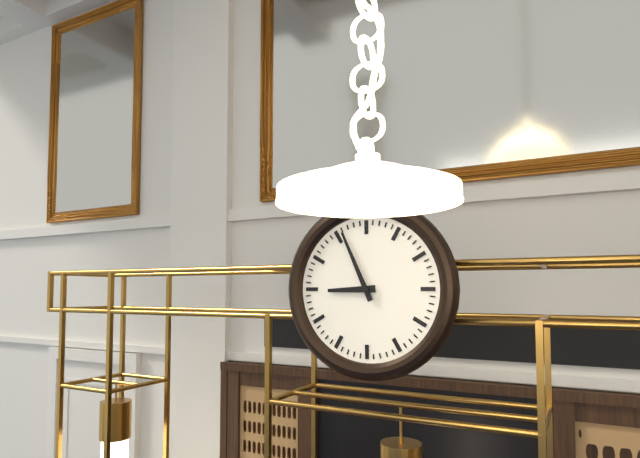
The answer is 8:56
